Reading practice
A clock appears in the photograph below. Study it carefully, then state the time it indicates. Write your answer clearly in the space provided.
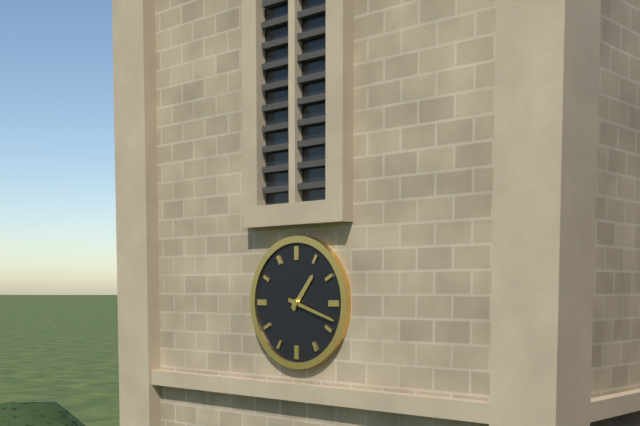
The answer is 1:18
